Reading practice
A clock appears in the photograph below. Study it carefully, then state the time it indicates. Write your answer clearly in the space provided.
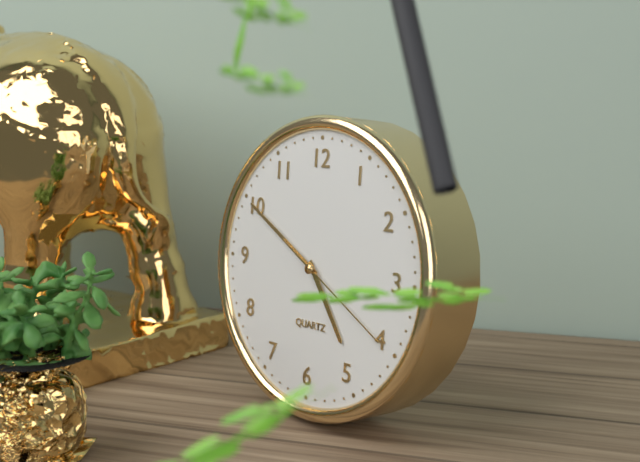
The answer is 4:50:20
